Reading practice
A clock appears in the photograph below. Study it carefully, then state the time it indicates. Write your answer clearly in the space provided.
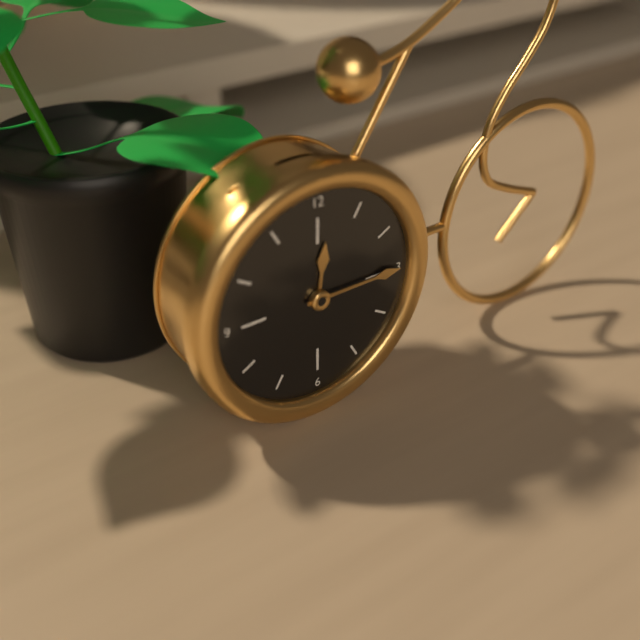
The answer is 12:15
